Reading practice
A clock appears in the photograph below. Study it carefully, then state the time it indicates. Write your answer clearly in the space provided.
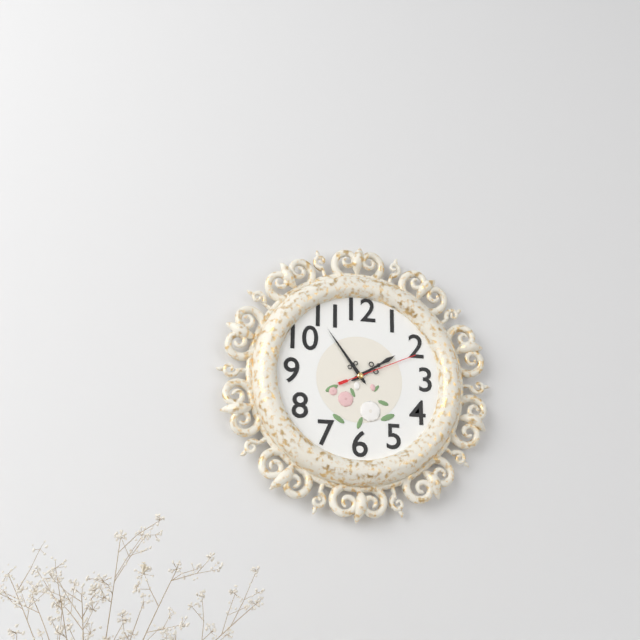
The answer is 1:54:11
